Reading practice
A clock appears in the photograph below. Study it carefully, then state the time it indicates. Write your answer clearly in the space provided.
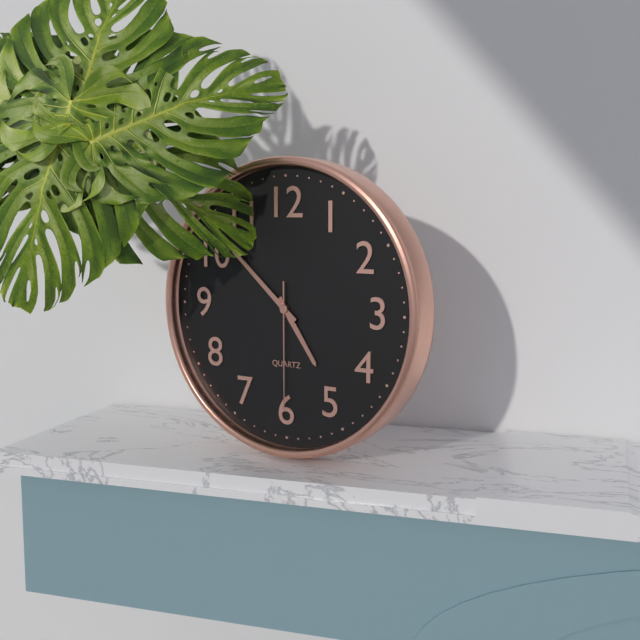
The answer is 4:52:30
